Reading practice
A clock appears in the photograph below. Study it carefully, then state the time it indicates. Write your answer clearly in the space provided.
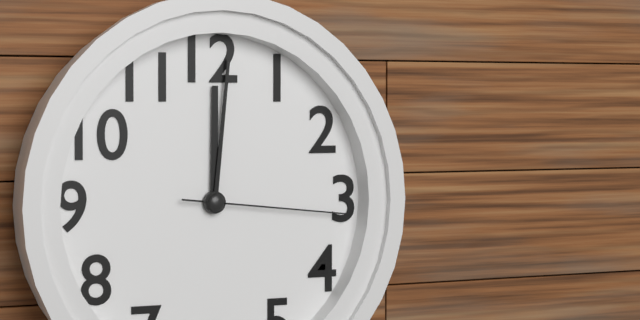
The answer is 12:01:16
